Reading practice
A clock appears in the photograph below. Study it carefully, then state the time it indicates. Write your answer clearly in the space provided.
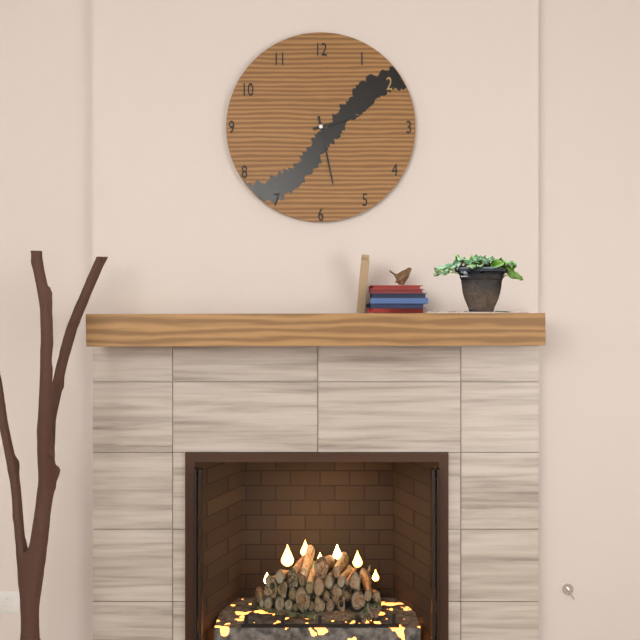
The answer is 2:28
